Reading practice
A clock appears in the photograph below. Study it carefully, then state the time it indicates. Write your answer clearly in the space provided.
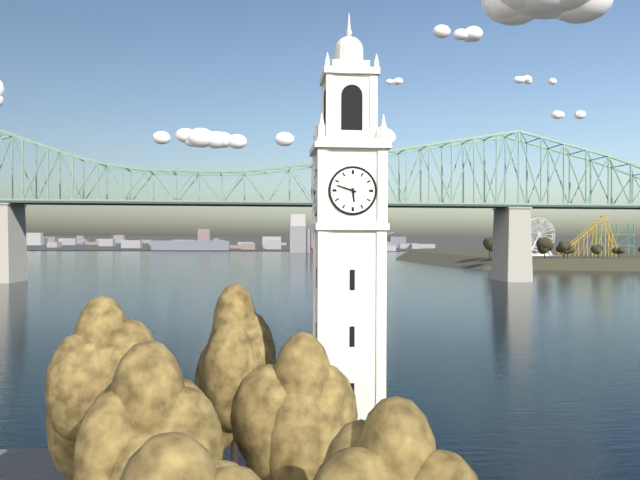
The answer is 5:48
